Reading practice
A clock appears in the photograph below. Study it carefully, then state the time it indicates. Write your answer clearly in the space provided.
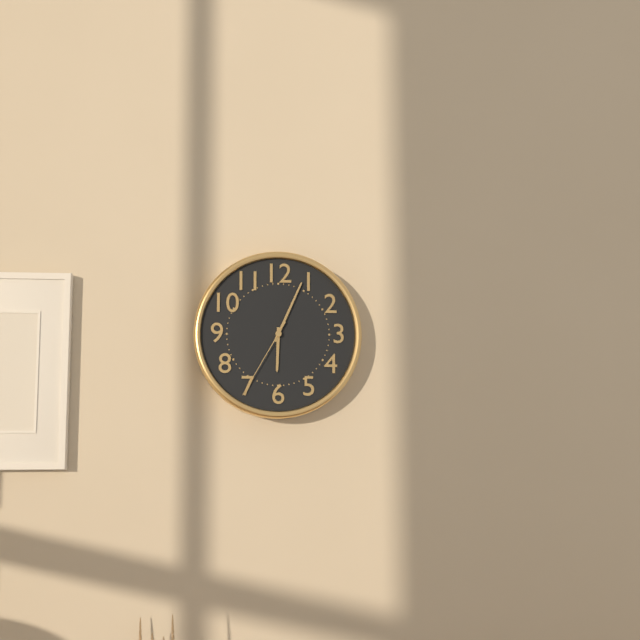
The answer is 6:04:35
